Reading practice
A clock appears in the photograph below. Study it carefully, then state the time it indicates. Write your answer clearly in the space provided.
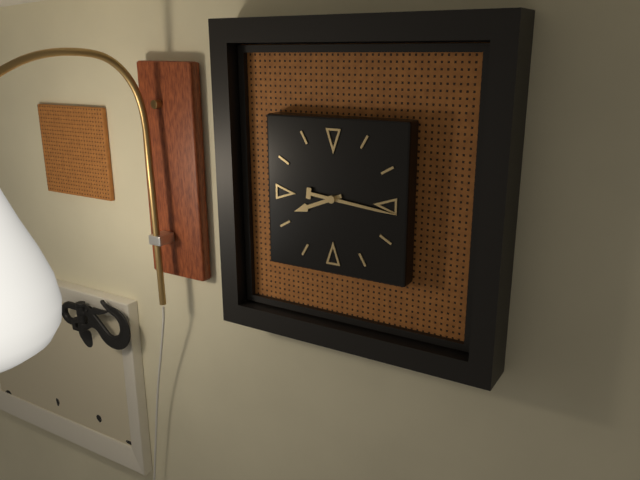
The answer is 8:16
